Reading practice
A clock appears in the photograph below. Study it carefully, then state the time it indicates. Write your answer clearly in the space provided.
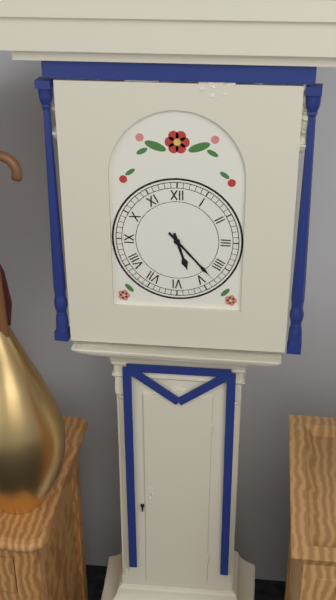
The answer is 5:23
